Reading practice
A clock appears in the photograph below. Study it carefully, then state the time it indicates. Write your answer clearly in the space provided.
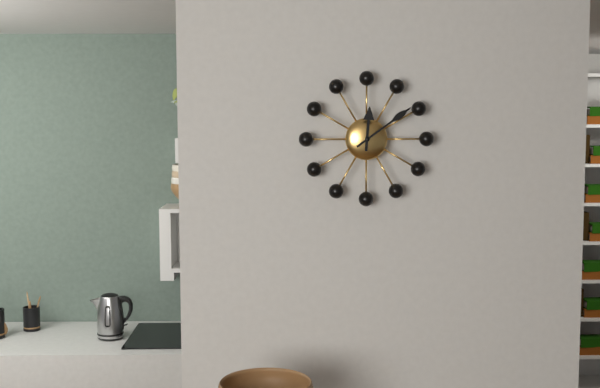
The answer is 12:09
